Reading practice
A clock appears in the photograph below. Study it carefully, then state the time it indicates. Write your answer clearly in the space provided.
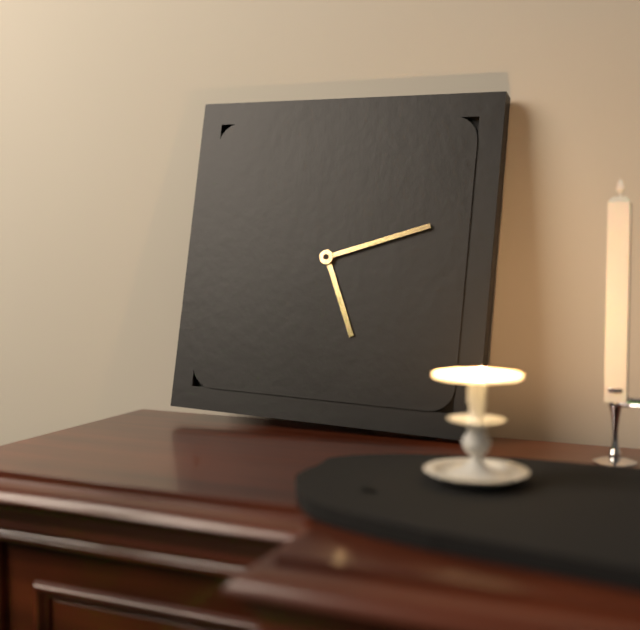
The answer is 5:12
